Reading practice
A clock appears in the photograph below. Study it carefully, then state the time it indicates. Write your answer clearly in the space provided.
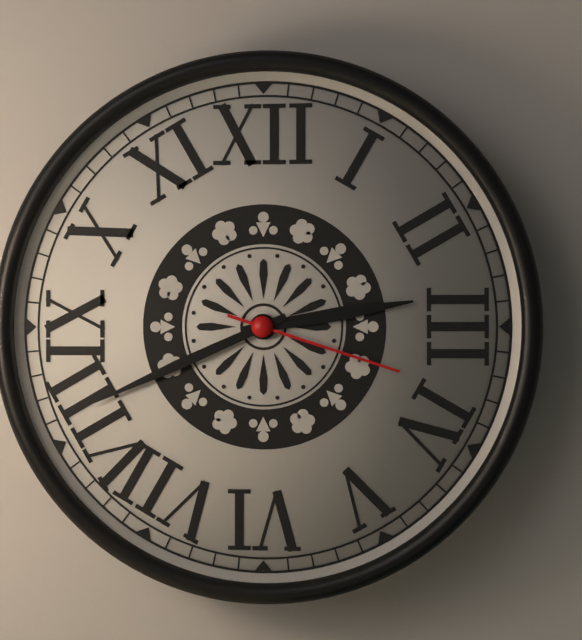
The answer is 2:41:18
